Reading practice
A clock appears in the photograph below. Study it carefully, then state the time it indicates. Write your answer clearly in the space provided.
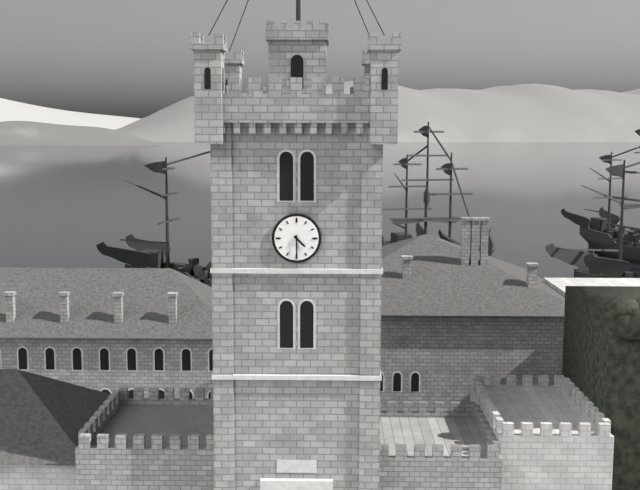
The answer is 4:30
